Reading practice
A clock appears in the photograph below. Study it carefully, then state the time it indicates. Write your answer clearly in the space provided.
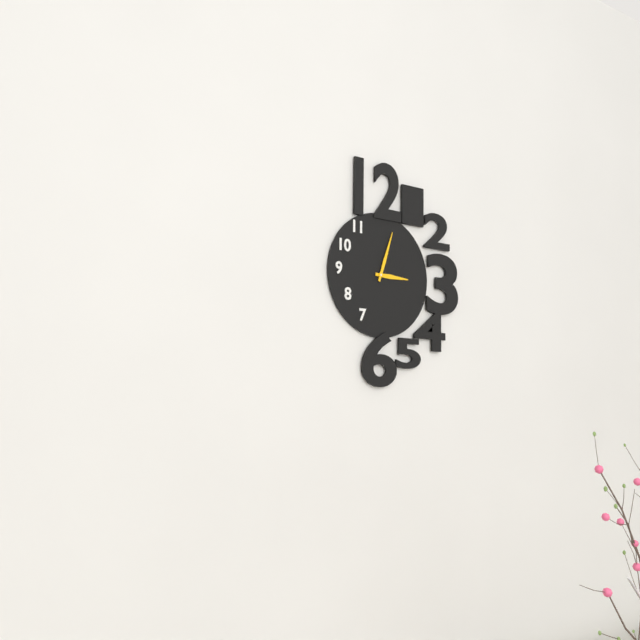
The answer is 3:03
